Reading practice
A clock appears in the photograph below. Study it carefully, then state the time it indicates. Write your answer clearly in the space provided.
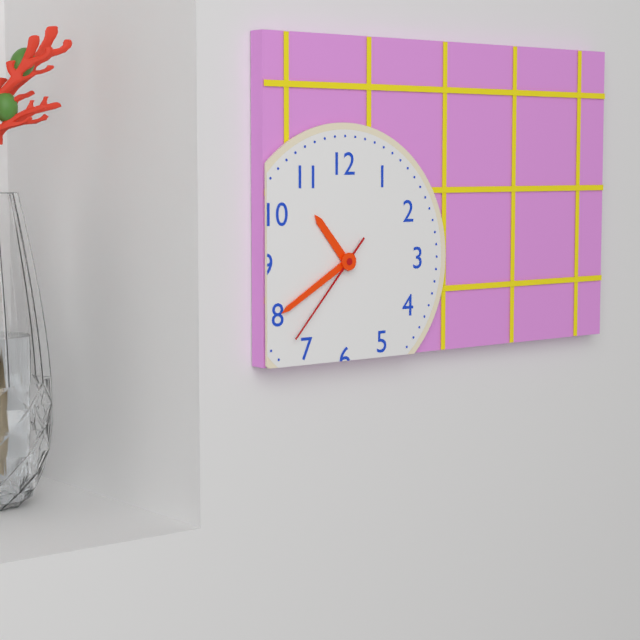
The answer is 10:40:37
